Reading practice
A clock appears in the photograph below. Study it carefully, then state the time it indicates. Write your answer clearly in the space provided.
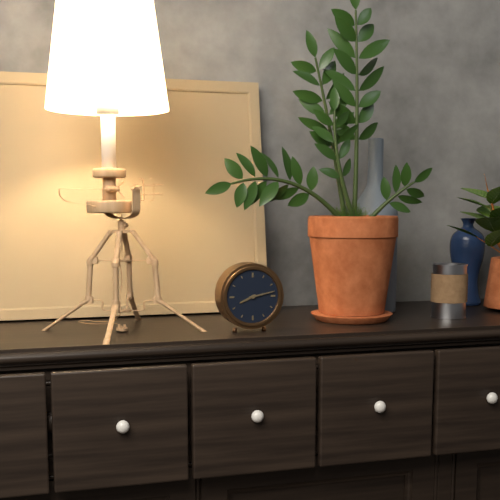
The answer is 8:13
